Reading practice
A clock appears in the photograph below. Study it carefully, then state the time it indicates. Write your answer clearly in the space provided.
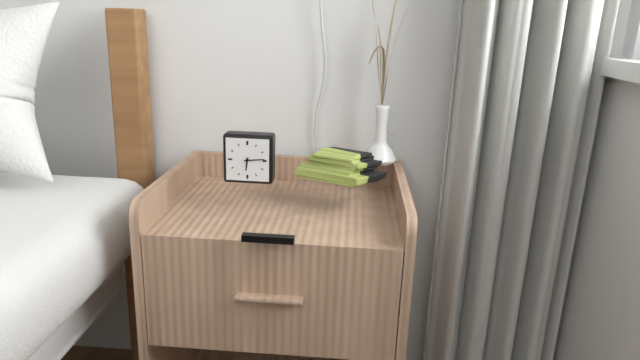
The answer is 6:14
